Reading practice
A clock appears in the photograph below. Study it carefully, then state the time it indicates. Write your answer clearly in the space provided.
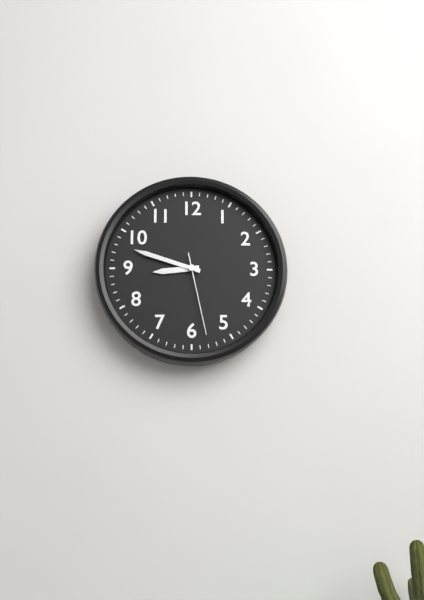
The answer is 8:48:28
